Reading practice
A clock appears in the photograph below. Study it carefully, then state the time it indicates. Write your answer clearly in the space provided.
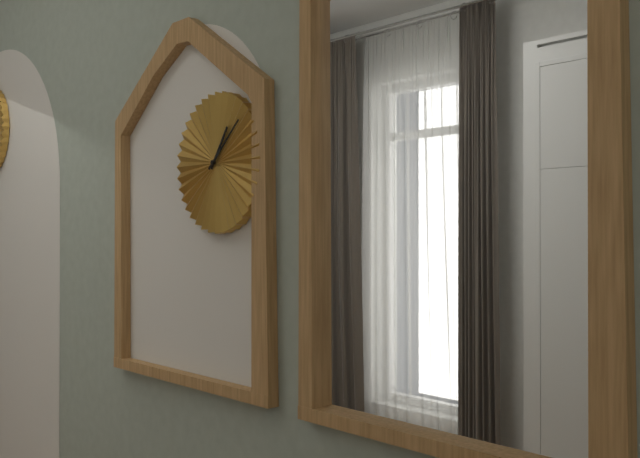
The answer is 1:08
